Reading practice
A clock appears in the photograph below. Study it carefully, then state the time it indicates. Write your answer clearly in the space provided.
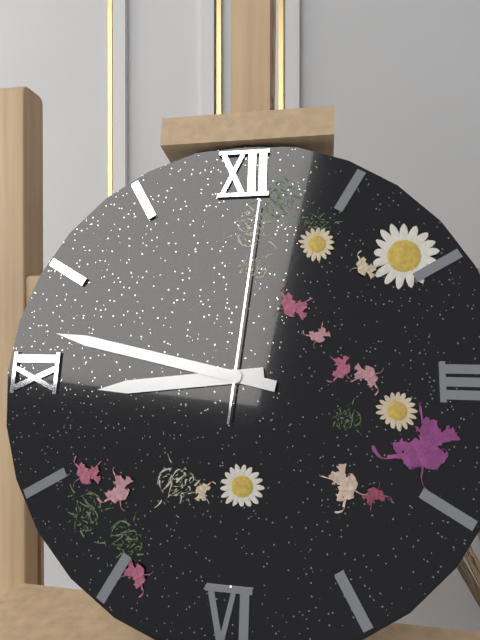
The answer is 8:47:01
